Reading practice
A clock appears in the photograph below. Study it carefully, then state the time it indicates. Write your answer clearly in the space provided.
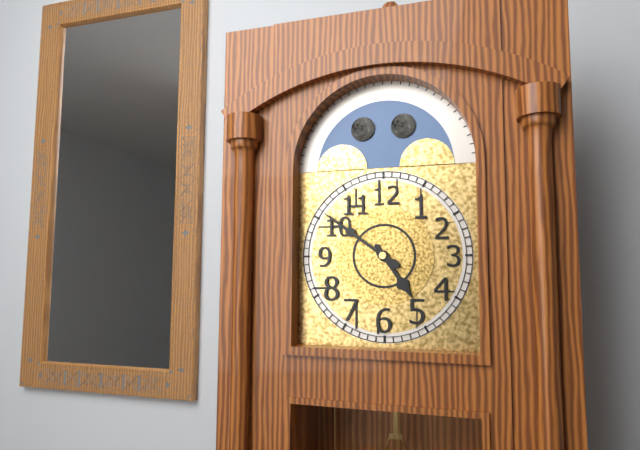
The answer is 4:51
